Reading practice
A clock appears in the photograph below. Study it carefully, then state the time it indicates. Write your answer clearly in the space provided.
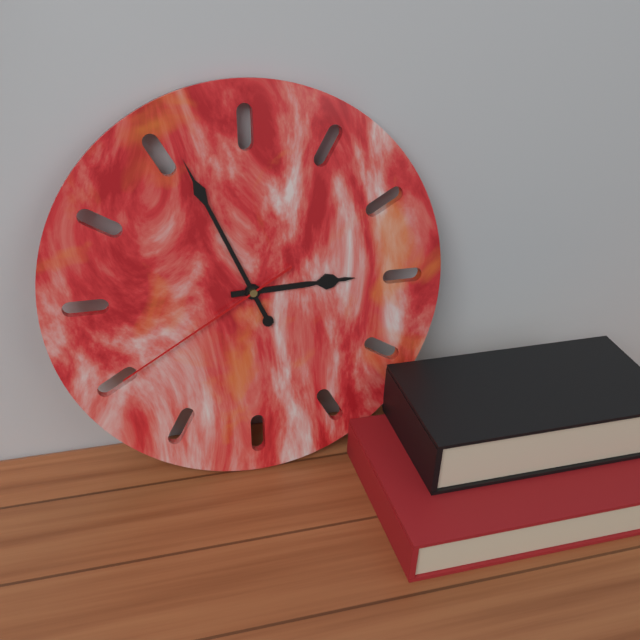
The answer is 2:56:40
